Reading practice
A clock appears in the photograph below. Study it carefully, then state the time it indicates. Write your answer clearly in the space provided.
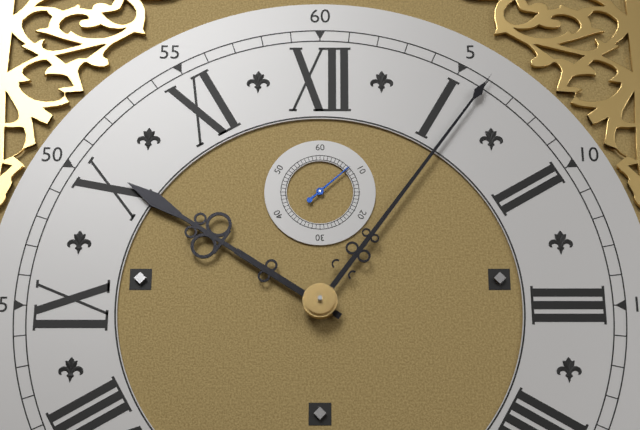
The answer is 10:06:08
